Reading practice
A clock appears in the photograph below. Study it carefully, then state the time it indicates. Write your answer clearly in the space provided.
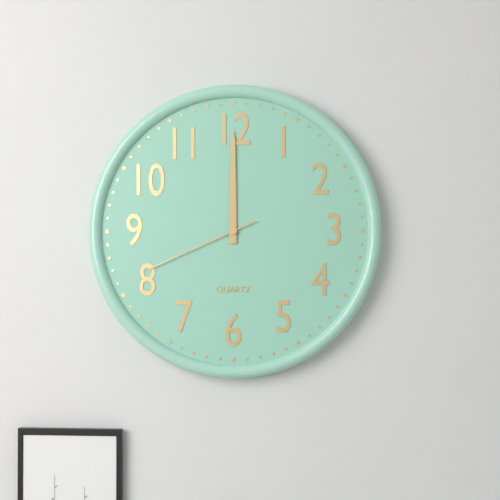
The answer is 12:00:41
